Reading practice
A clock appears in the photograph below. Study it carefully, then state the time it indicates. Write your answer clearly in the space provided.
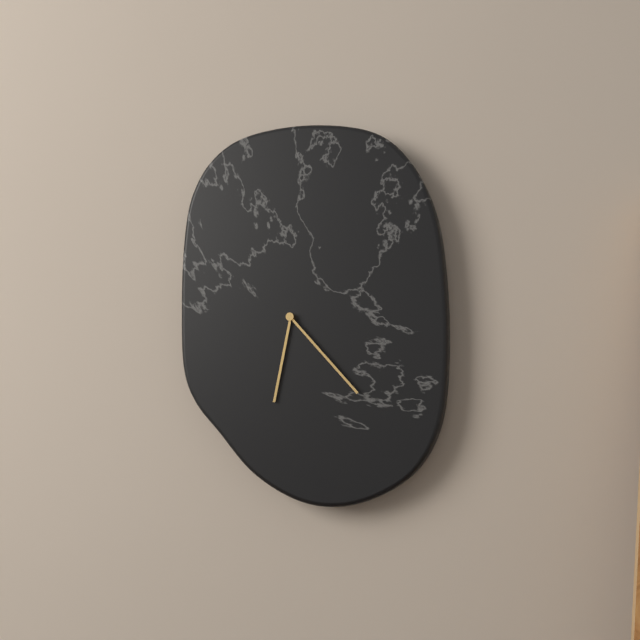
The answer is 6:23
